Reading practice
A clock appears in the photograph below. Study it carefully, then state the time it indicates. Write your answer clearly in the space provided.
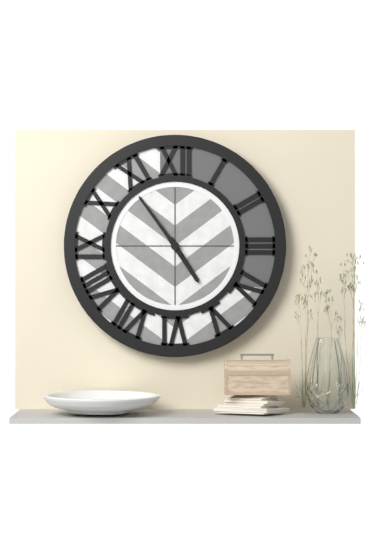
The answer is 4:54
